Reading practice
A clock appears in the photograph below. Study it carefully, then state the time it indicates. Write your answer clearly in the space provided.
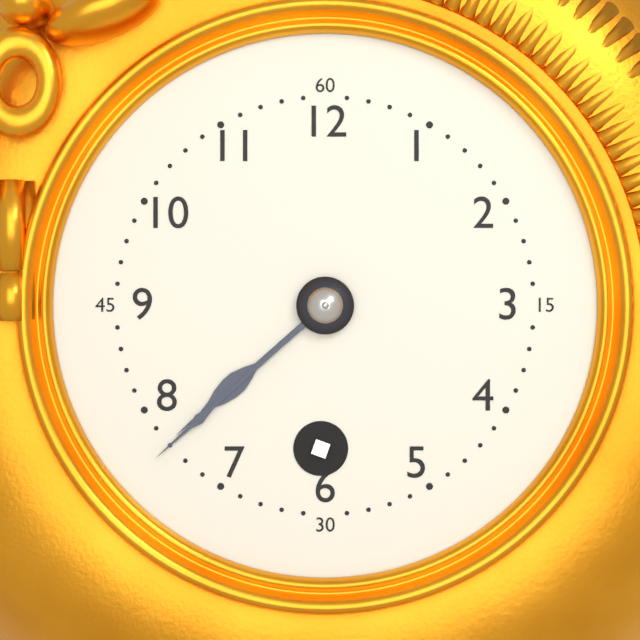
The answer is 7:38
